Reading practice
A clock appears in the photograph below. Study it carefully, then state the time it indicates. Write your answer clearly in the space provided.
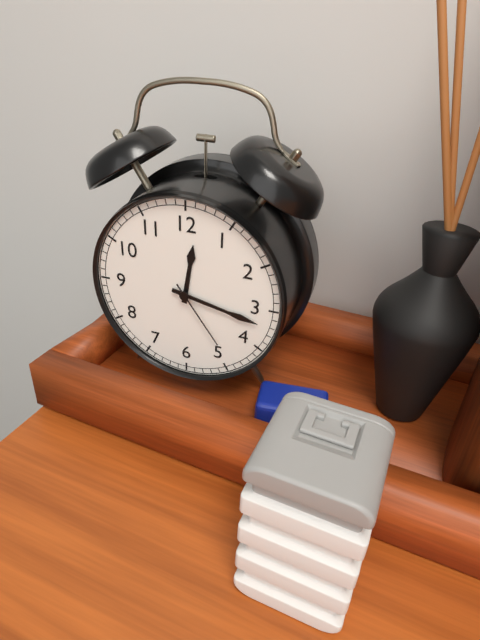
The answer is 12:17:24
